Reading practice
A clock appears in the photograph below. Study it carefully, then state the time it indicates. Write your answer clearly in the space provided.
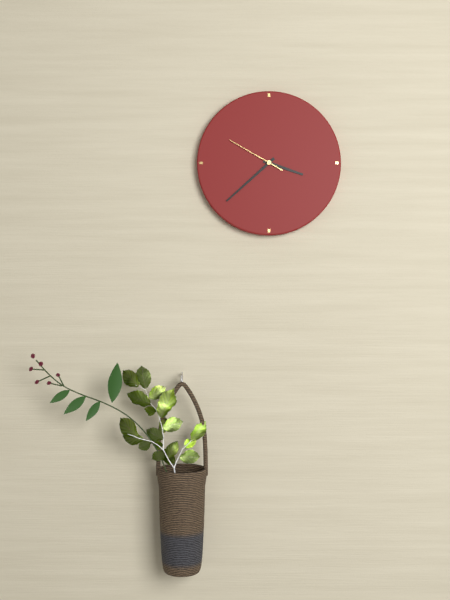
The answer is 3:38:50
